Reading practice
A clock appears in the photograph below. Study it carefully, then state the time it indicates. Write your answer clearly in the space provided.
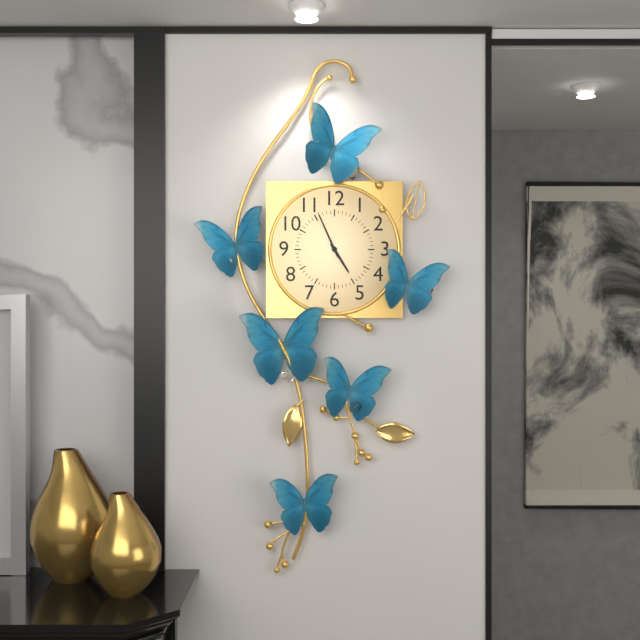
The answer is 4:56
